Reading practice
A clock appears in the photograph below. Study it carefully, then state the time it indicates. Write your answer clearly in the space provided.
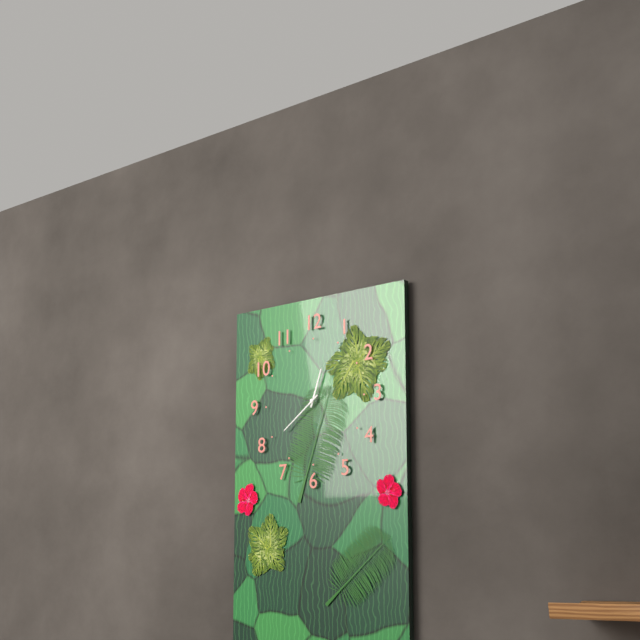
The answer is 12:39
